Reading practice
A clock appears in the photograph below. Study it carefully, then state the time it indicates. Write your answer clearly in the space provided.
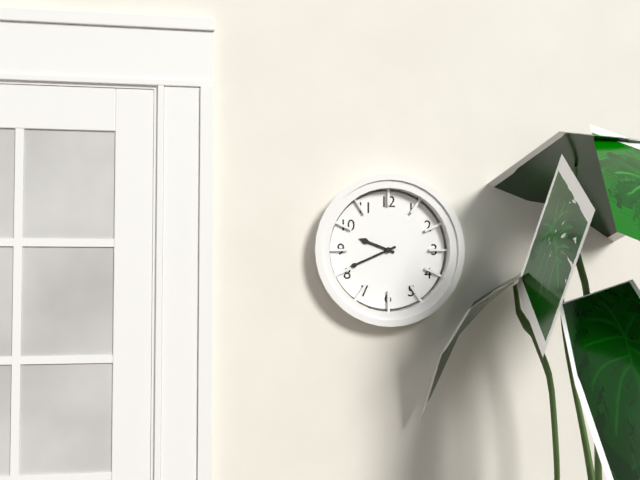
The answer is 9:41
